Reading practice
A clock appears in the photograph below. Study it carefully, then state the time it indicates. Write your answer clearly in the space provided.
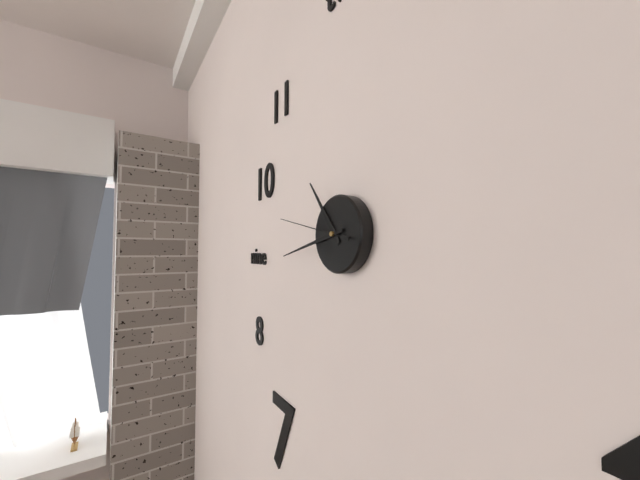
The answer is 10:43:47
